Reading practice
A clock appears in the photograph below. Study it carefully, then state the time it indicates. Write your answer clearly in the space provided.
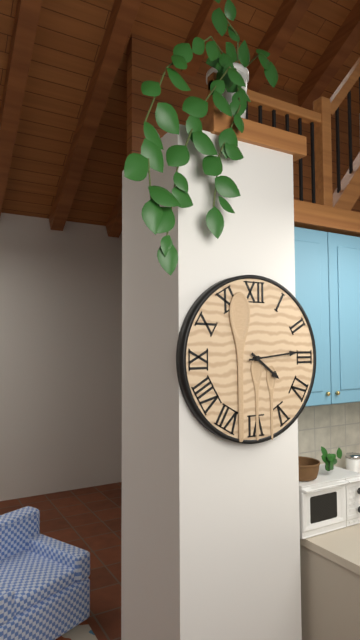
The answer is 4:14
